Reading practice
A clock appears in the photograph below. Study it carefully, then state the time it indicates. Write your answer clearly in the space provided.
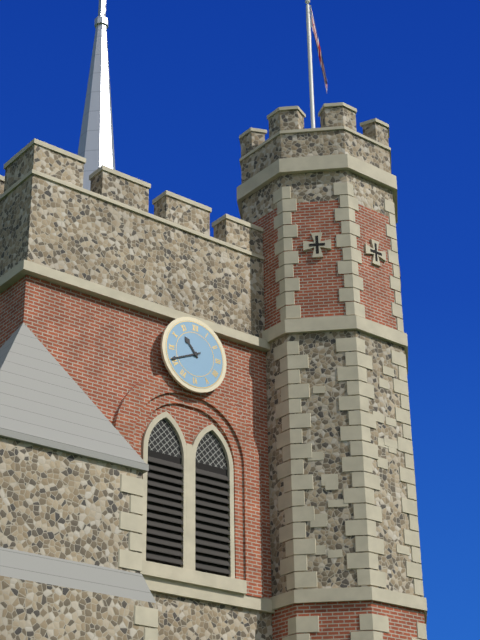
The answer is 10:41
